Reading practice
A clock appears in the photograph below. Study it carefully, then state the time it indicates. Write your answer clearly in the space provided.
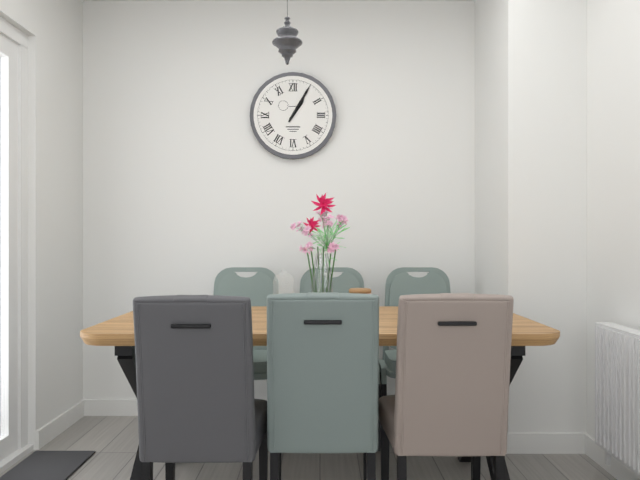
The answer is 1:05
